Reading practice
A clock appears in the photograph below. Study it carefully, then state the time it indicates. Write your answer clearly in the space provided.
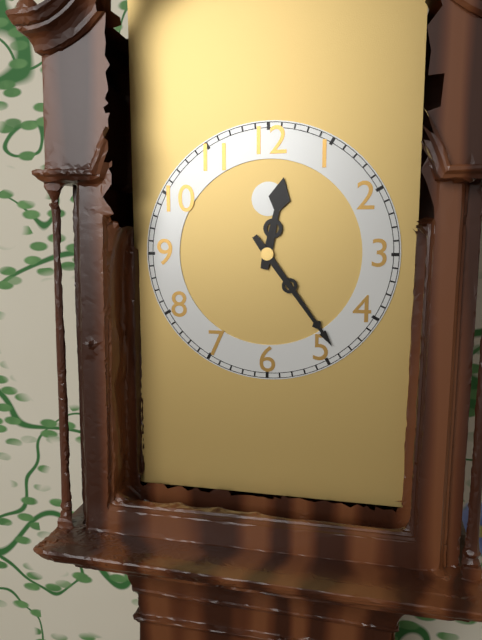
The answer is 12:24
